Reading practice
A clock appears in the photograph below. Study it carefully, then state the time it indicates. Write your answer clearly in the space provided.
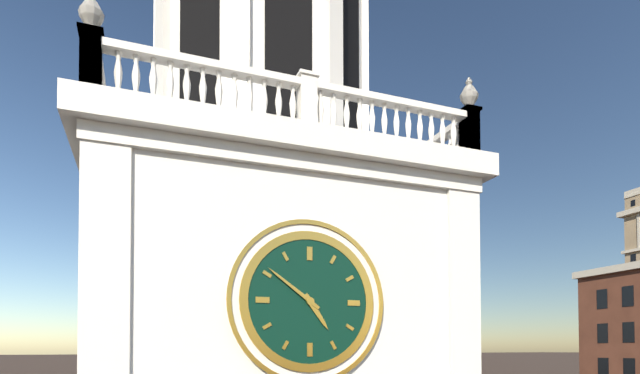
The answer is 4:51
